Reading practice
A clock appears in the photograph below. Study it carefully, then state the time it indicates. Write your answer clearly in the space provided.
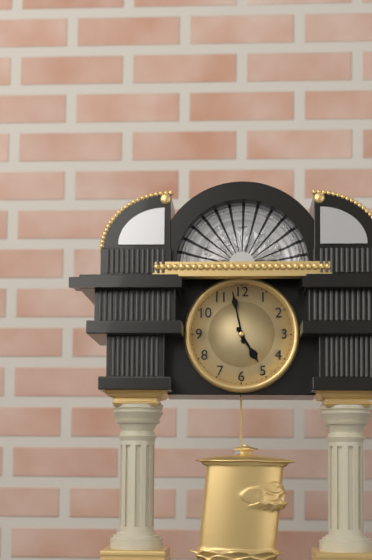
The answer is 4:58
